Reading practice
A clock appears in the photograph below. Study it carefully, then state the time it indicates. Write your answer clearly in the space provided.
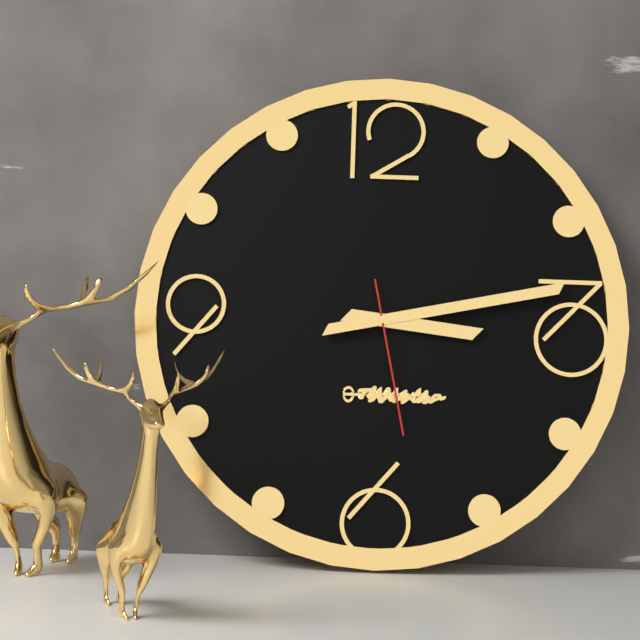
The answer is 3:13:28
